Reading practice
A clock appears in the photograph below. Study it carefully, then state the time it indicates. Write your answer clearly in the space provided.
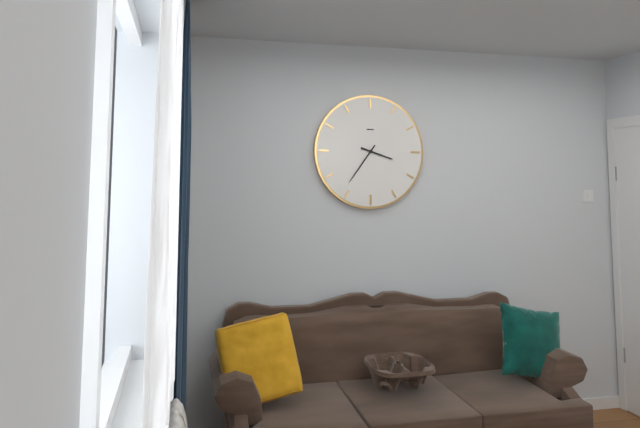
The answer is 3:36
